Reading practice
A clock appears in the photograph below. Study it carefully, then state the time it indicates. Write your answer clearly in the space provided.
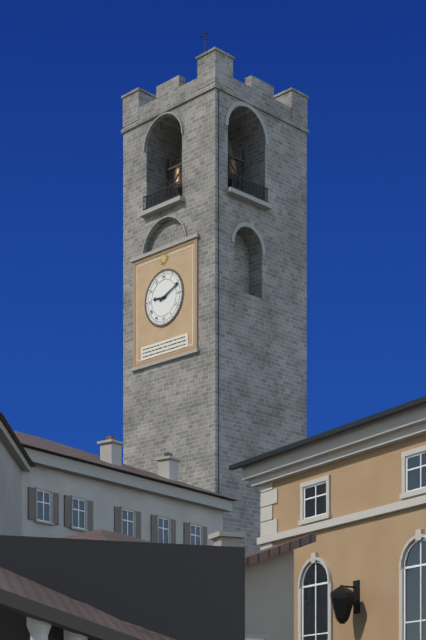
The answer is 9:11
